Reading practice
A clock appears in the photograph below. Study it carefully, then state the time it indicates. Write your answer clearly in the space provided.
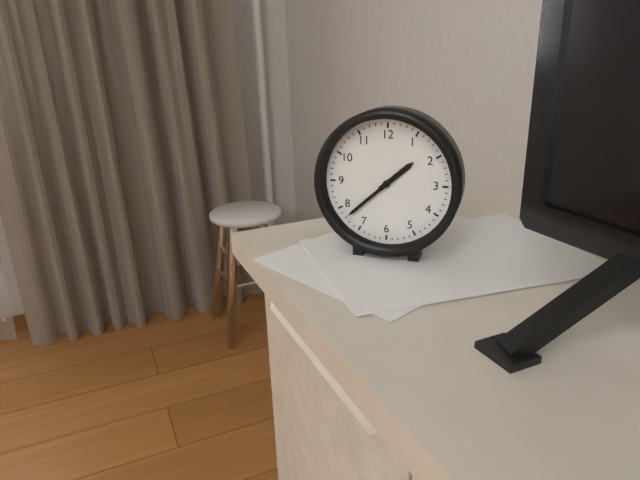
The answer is 1:38
